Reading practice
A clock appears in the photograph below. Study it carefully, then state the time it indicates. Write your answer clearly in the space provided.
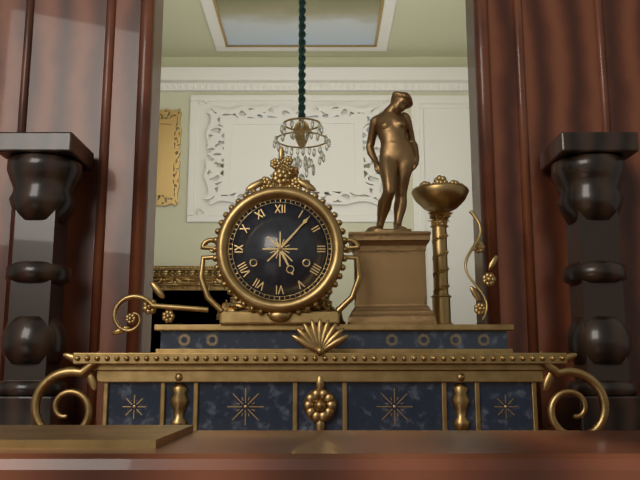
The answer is 5:07
